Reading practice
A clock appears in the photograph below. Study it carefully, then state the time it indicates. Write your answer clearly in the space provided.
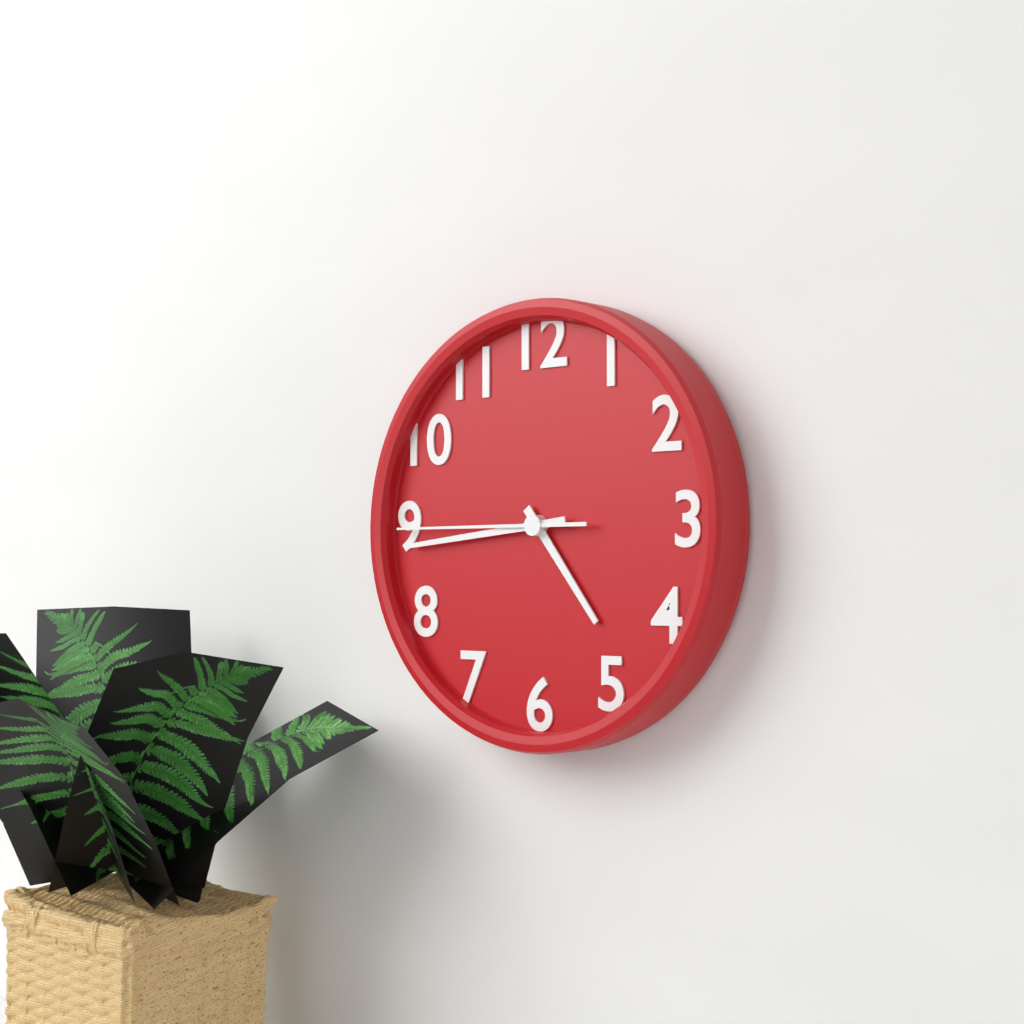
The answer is 4:44:45
